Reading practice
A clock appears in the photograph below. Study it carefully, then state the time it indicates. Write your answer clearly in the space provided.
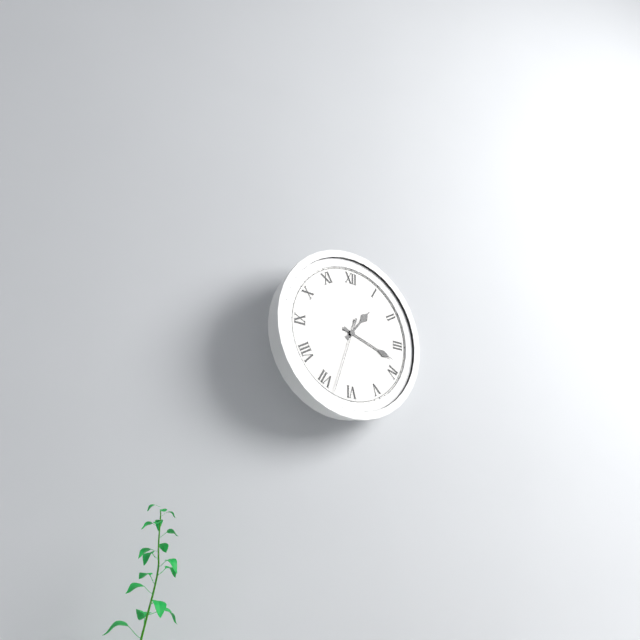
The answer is 1:18:33
